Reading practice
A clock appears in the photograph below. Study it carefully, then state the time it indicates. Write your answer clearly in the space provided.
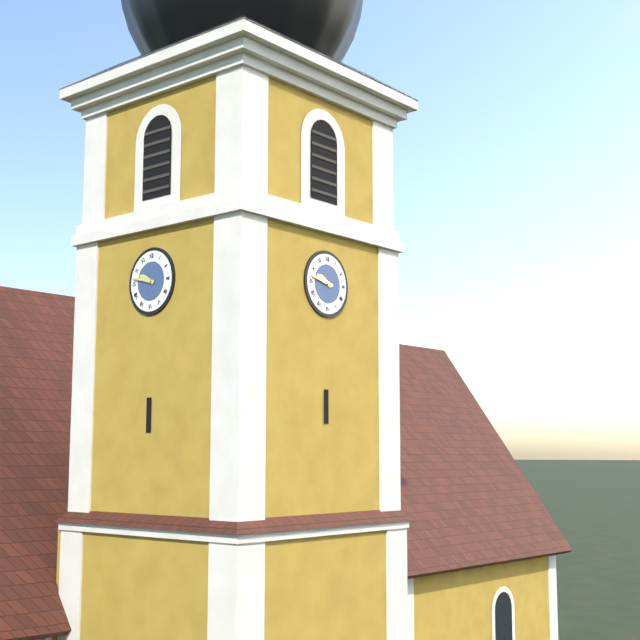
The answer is 9:47
